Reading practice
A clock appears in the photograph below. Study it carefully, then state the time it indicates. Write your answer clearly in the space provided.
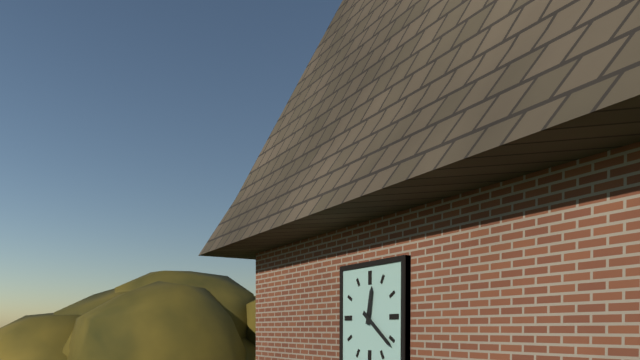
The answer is 12:21
